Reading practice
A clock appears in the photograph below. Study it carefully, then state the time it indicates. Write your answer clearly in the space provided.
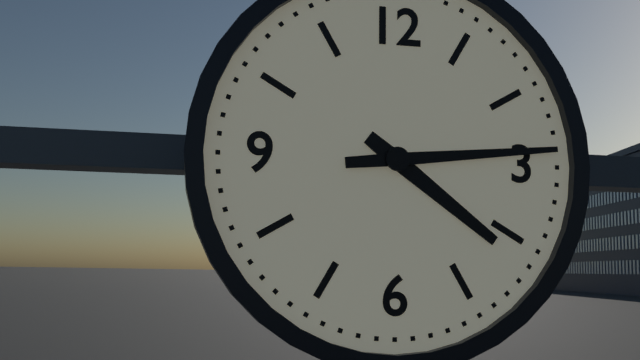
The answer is 4:14
